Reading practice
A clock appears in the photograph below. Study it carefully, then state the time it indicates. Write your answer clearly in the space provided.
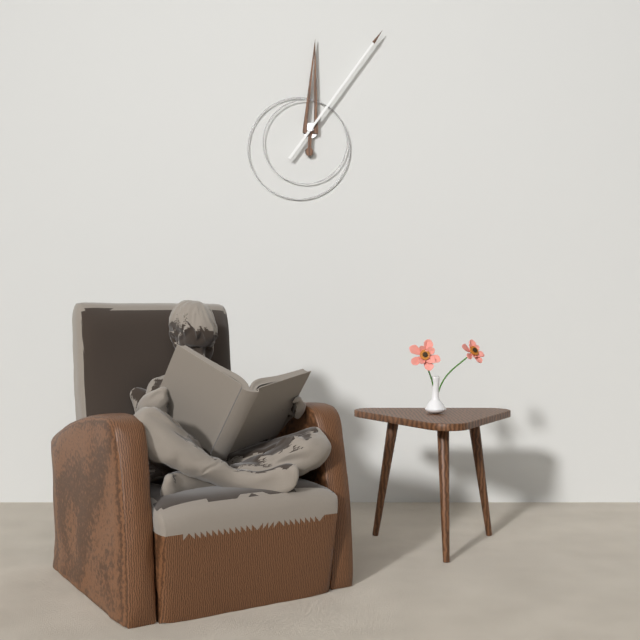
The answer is 12:06
